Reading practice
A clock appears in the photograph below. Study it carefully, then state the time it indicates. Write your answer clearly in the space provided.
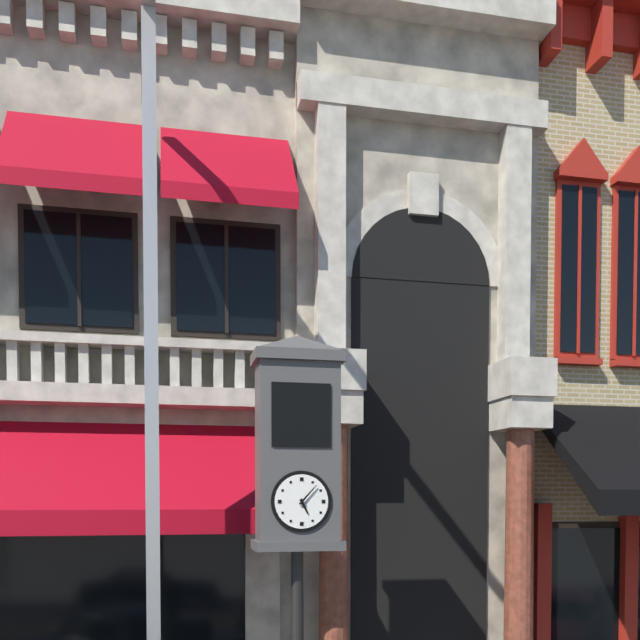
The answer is 5:07
